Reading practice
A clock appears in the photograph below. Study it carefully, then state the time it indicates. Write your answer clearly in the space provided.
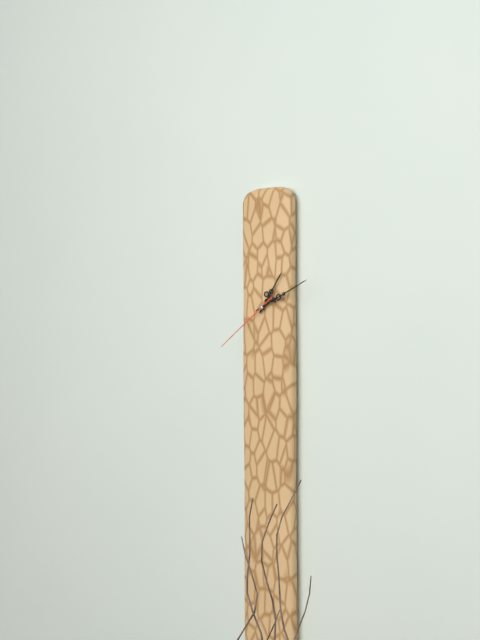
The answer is 1:11:39
